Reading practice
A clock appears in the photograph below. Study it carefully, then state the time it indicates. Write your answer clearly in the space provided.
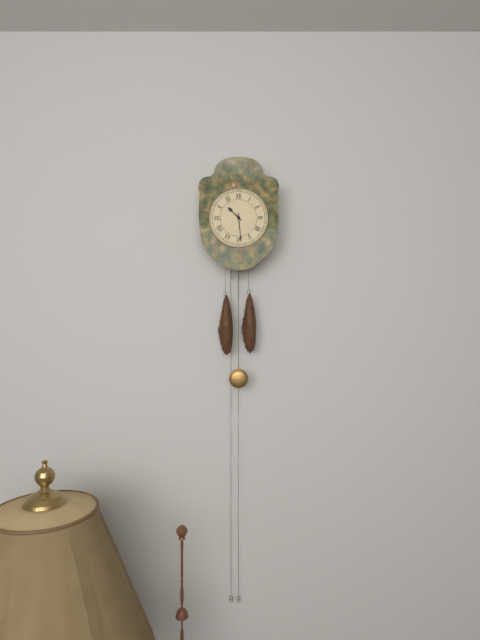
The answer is 10:29
